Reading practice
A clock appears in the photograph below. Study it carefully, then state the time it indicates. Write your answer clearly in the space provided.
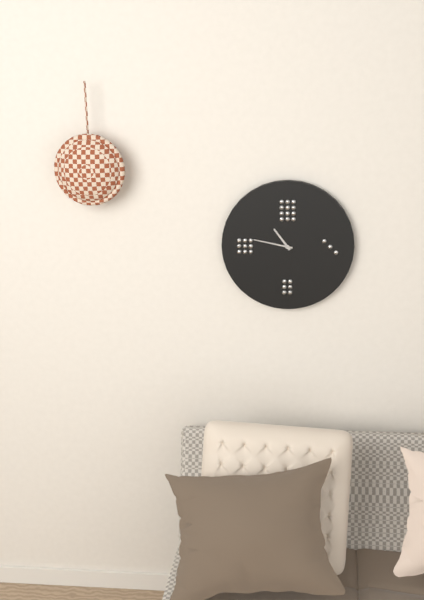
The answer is 10:47
